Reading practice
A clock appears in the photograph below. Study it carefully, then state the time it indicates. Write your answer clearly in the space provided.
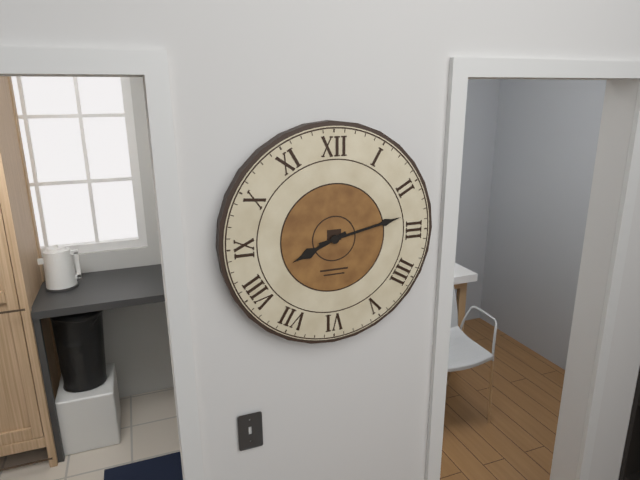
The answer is 8:13
